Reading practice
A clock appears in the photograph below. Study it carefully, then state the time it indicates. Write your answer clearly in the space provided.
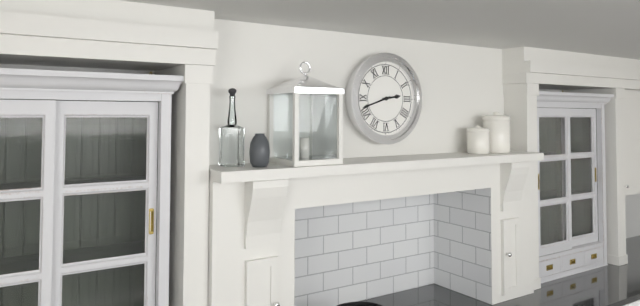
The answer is 2:42
